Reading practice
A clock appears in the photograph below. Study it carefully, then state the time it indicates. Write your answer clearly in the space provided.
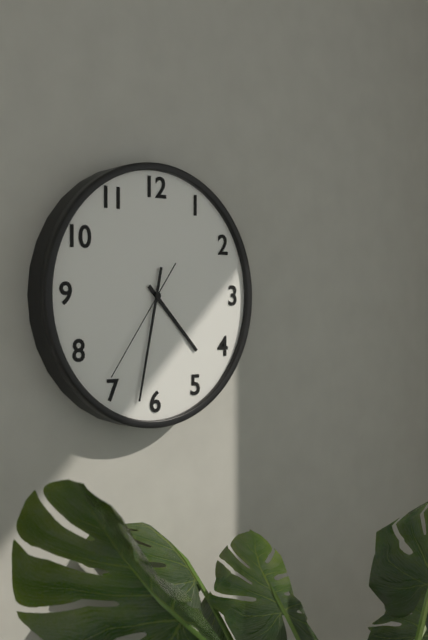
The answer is 4:32:36
